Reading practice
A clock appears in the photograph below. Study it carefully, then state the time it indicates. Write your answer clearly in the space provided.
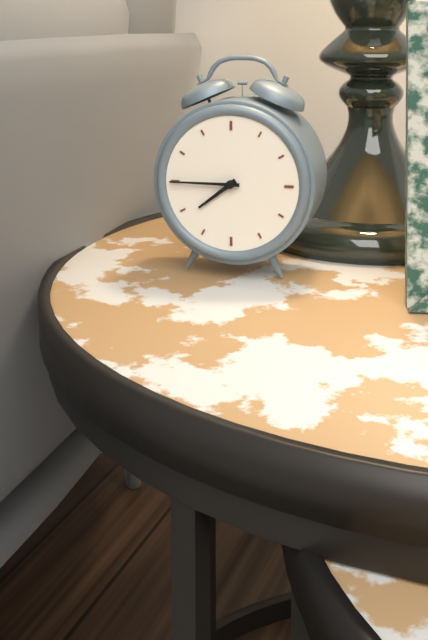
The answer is 7:45
